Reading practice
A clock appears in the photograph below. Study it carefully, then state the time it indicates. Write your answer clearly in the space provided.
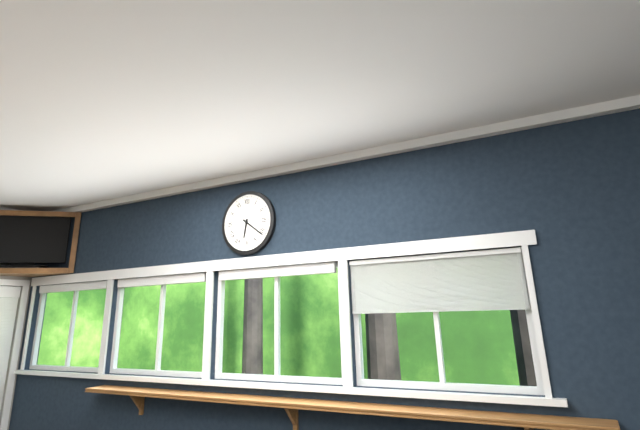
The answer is 6:21
